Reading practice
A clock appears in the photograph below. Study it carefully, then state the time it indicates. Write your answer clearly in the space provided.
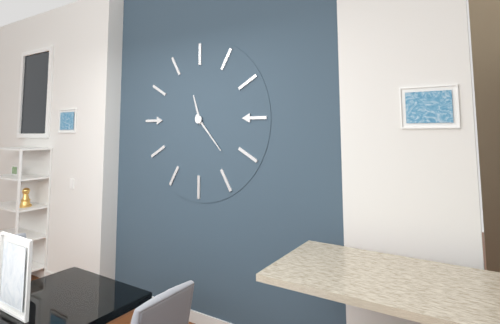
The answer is 11:23
